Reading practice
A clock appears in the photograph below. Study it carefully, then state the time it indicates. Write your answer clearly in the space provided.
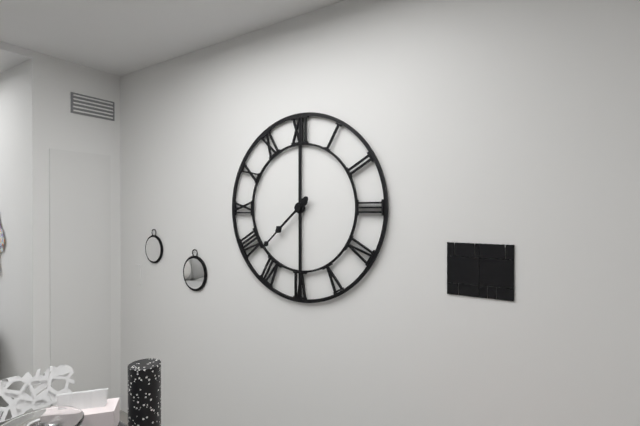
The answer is 7:38
